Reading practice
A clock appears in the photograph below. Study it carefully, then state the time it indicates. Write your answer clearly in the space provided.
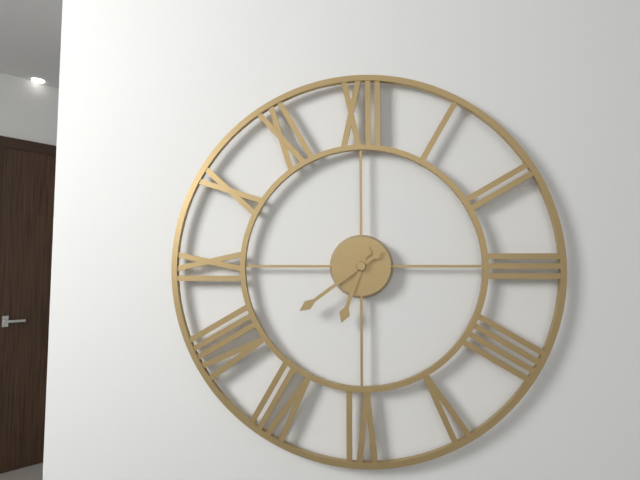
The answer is 6:39
